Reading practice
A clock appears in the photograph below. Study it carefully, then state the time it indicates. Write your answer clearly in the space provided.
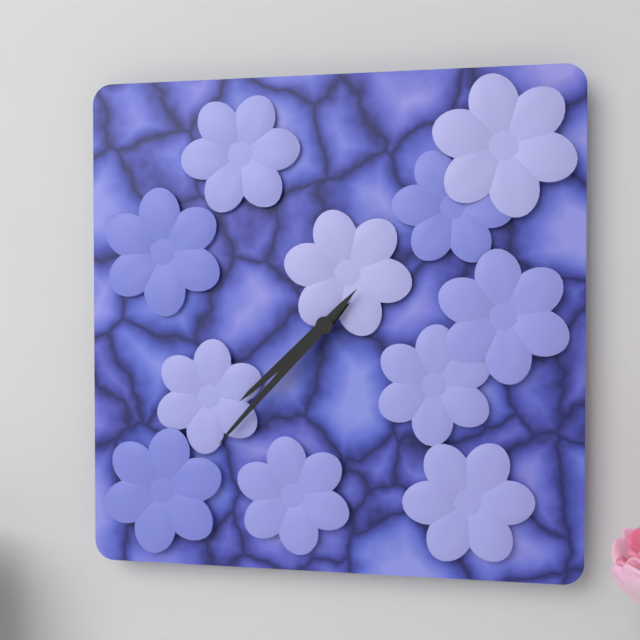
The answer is 7:37
